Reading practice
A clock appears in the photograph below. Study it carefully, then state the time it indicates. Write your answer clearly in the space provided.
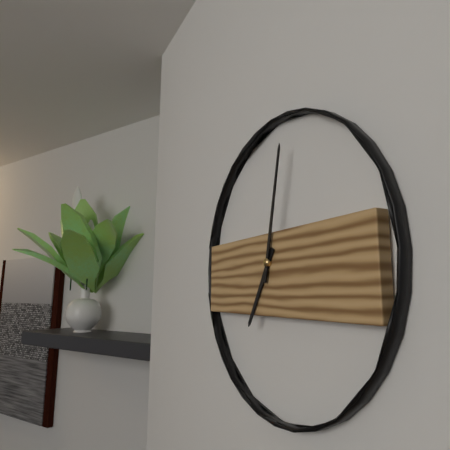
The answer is 7:02
